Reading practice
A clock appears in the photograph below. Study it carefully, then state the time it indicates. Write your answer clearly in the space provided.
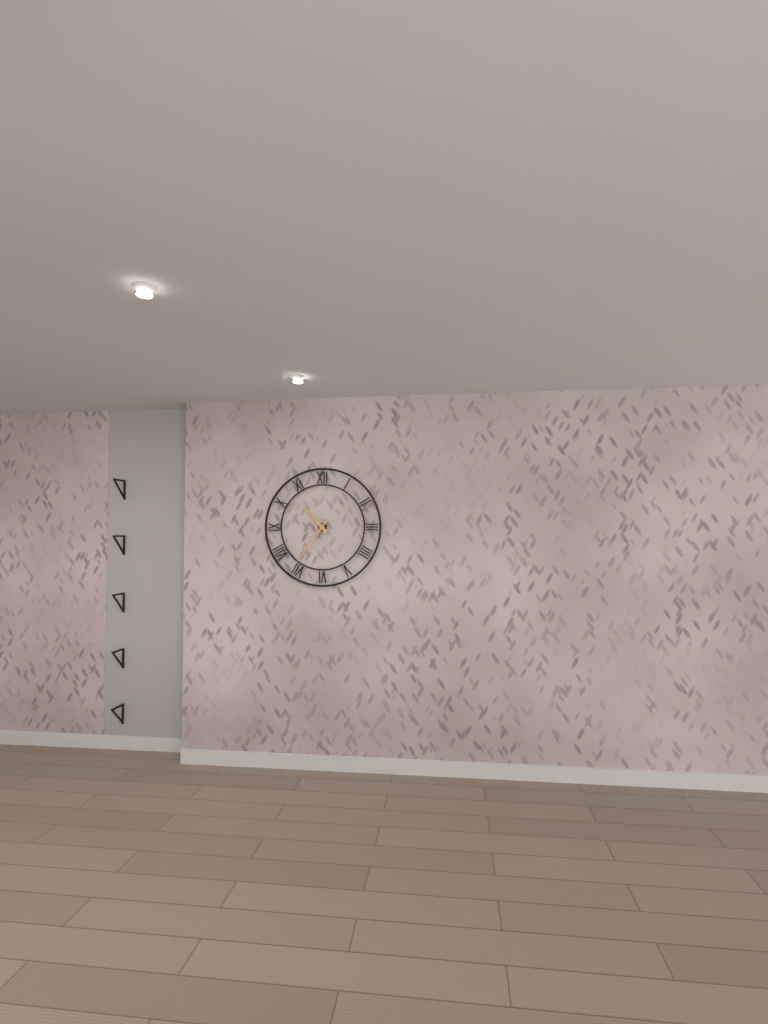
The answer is 10:36
